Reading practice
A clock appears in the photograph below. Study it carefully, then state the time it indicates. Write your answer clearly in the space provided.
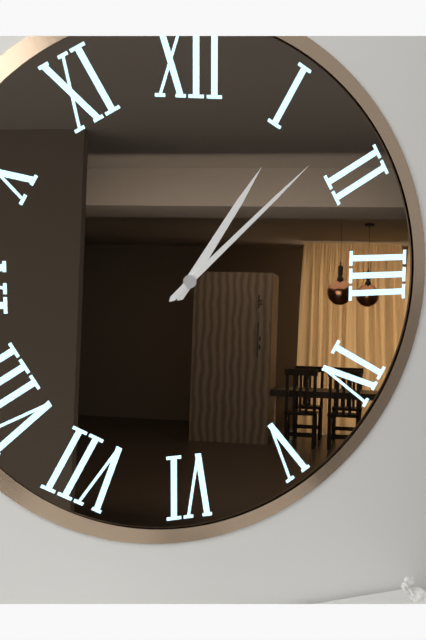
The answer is 1:08
